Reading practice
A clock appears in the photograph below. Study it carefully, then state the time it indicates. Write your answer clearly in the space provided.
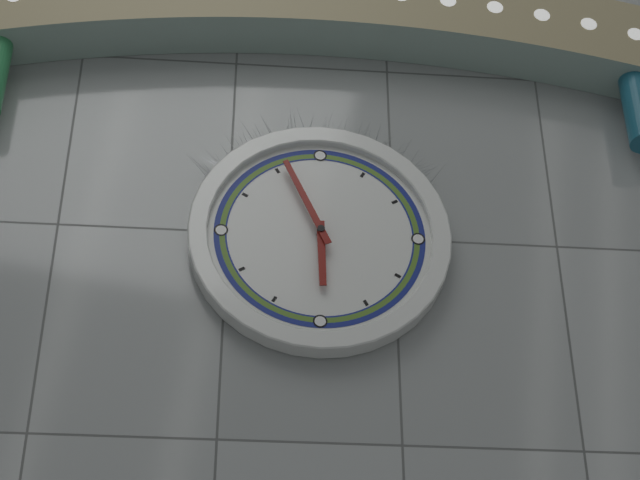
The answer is 5:56
